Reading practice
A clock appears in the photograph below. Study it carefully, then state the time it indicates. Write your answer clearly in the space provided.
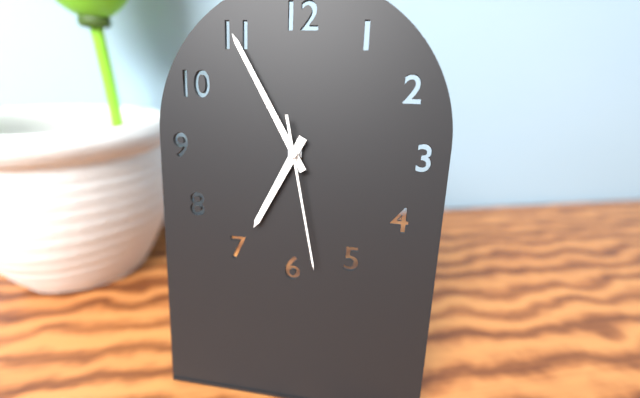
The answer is 6:55:28
